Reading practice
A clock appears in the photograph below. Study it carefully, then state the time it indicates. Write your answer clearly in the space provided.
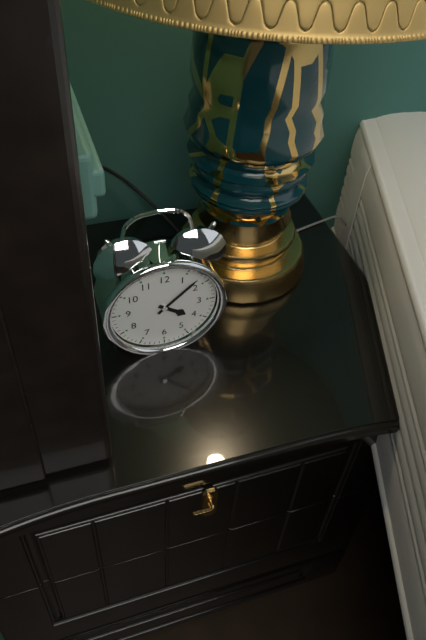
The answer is 4:08
